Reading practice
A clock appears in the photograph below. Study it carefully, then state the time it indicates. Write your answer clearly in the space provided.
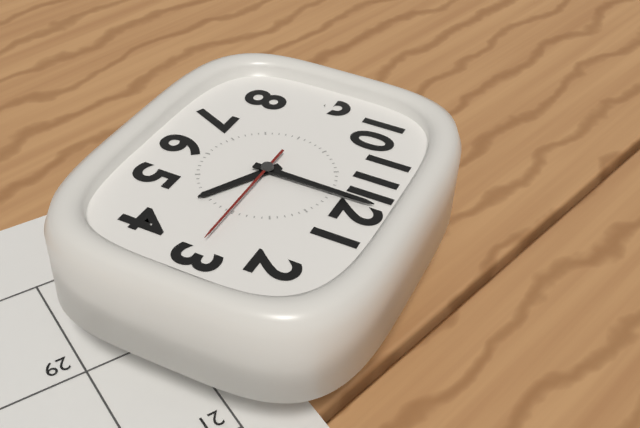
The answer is 4:00:15
